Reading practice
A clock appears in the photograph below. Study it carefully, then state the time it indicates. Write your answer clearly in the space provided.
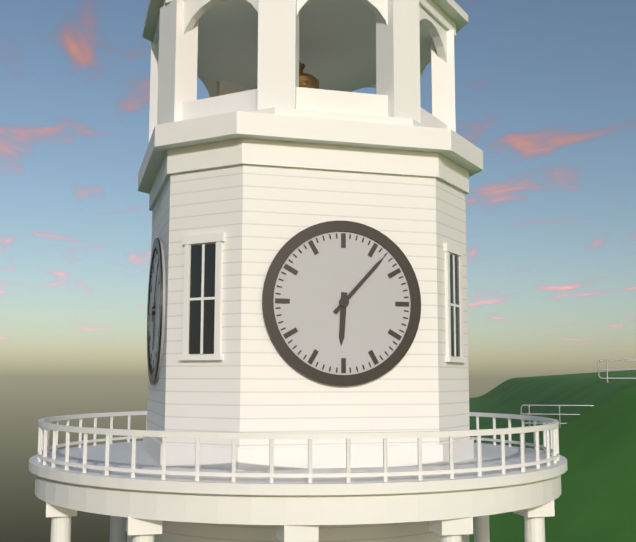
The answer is 6:07
